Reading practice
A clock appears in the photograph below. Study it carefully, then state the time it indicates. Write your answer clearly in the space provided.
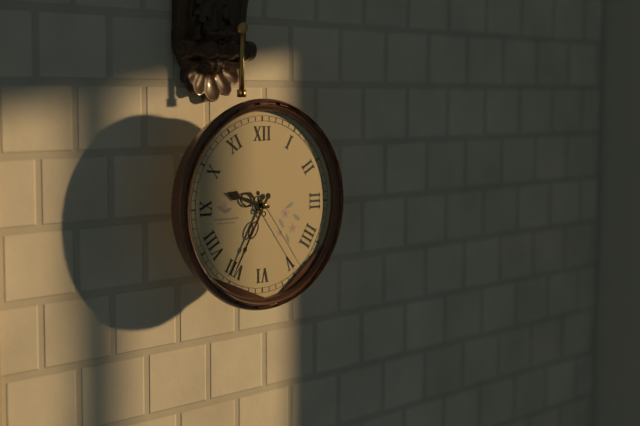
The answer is 9:35:24
